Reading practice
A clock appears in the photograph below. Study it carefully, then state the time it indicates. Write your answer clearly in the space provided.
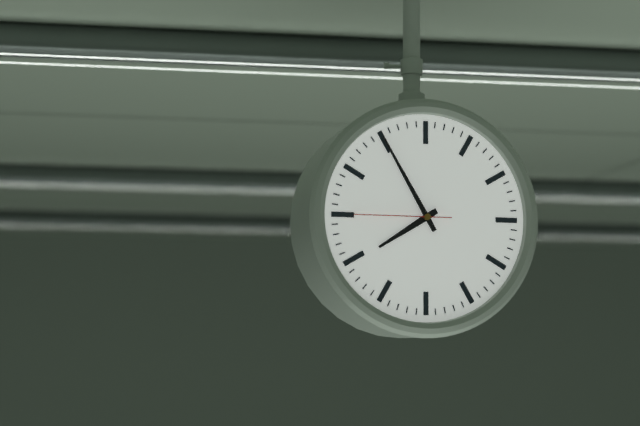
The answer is 7:55:45
